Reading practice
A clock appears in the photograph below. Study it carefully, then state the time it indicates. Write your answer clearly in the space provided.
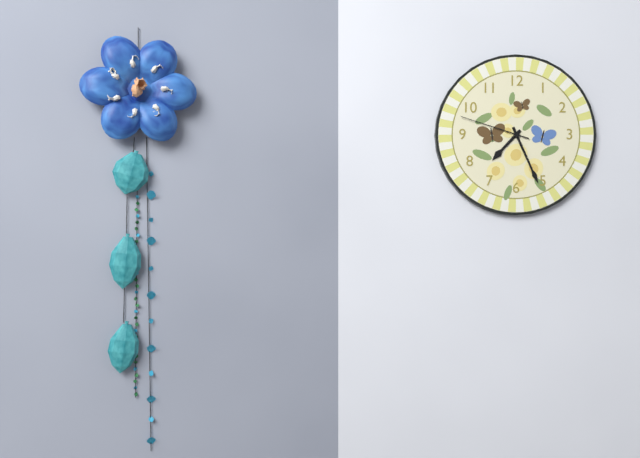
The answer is 7:26:48
